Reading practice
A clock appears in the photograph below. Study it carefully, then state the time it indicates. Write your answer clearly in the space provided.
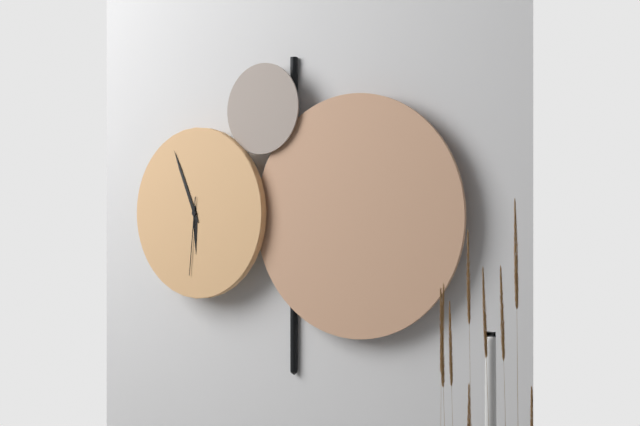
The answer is 5:56:31
